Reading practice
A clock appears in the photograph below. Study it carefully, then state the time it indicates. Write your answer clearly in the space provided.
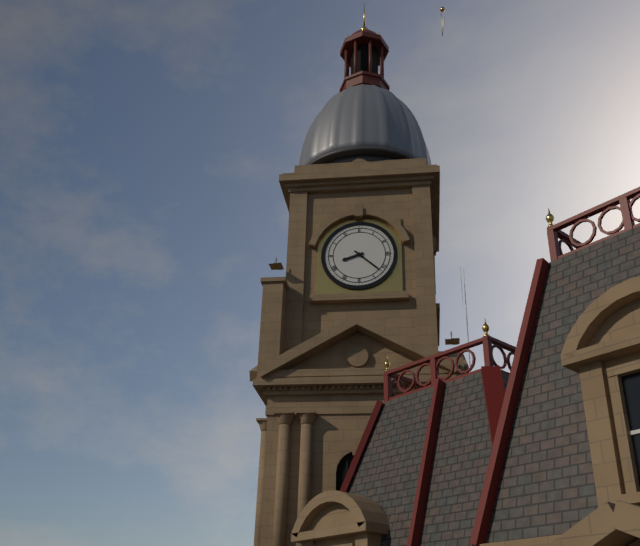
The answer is 8:22
